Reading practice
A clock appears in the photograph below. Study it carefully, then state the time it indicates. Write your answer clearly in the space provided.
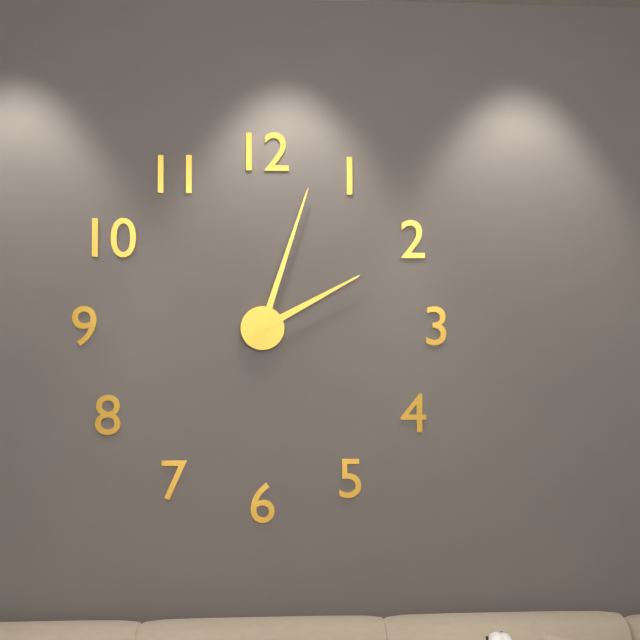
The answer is 2:03
